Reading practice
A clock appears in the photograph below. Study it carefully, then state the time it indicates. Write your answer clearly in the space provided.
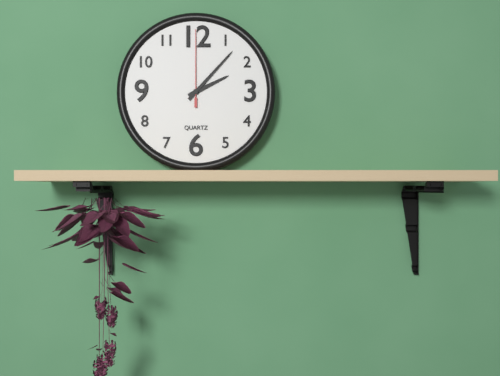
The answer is 2:07:00
